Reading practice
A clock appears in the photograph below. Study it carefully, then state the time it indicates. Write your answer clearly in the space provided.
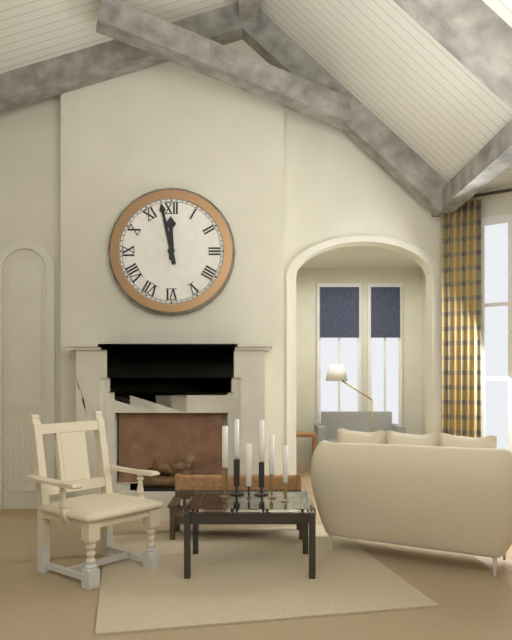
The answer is 11:58
